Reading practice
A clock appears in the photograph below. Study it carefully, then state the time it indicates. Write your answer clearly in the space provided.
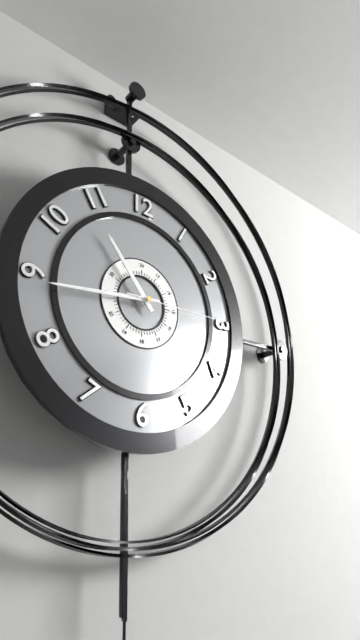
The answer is 10:44:15
